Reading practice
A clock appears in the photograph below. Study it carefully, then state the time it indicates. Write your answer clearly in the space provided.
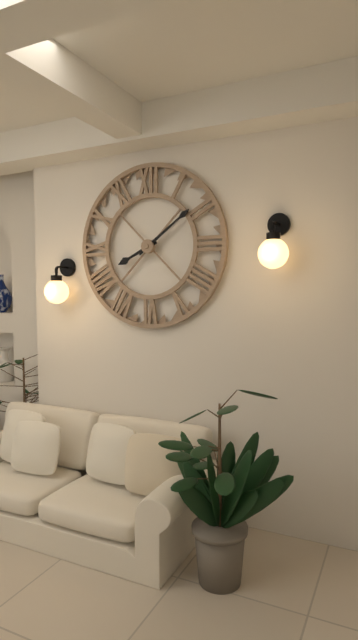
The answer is 8:09
